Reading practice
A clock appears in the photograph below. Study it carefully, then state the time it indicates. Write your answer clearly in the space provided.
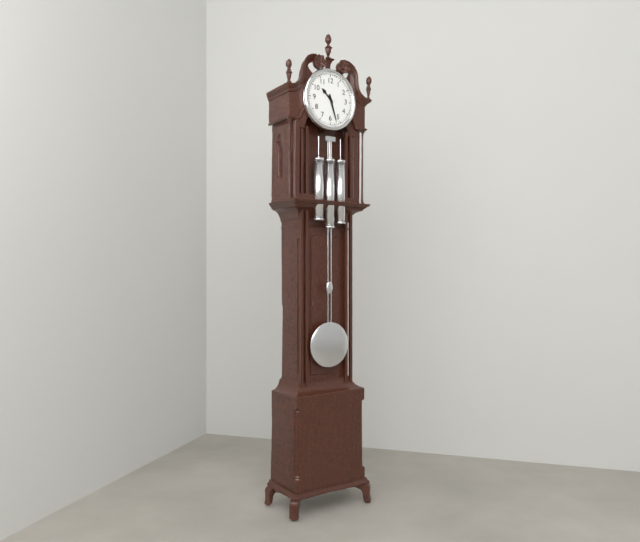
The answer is 10:27
